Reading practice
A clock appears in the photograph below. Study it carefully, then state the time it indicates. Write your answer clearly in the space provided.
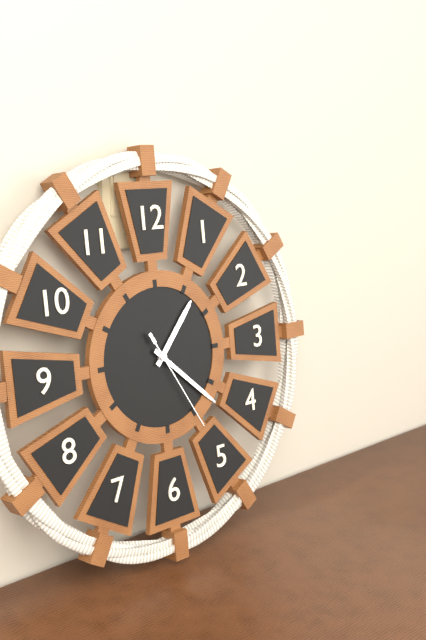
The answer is 1:22:25
